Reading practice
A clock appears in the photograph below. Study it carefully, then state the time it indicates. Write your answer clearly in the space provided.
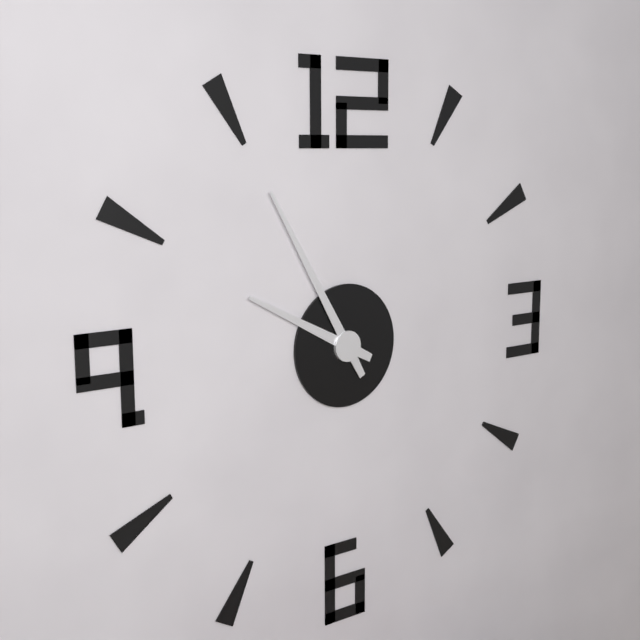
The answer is 9:55
